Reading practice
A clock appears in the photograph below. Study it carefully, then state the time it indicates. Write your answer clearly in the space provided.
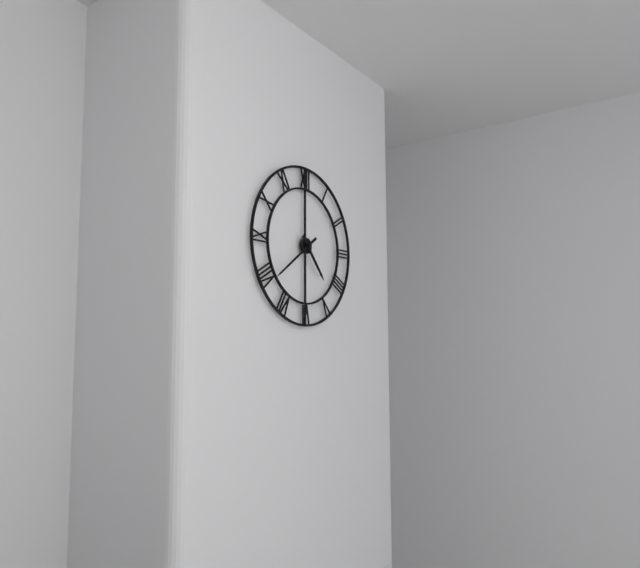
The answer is 4:39
